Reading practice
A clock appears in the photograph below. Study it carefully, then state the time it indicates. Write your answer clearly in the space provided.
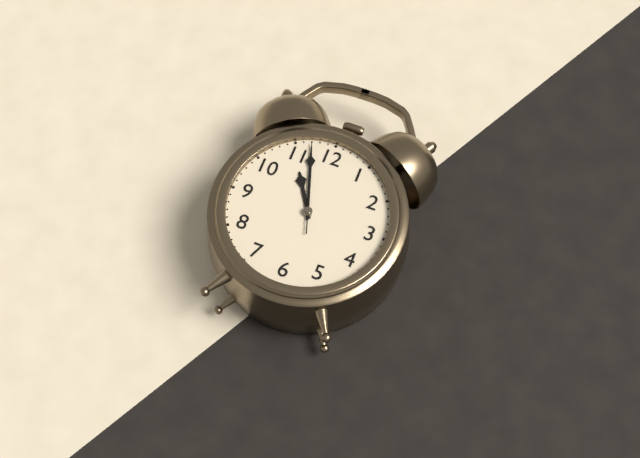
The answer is 10:57:57
